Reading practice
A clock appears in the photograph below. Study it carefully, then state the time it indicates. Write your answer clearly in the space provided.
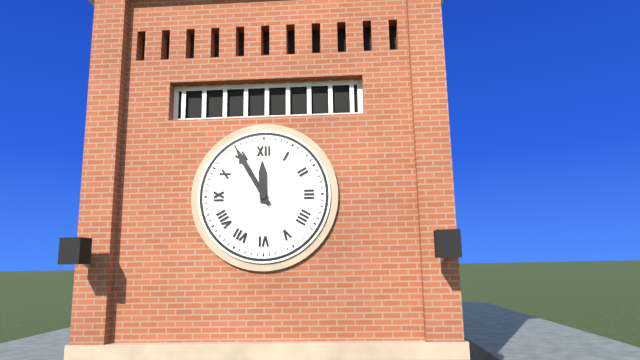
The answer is 11:55
